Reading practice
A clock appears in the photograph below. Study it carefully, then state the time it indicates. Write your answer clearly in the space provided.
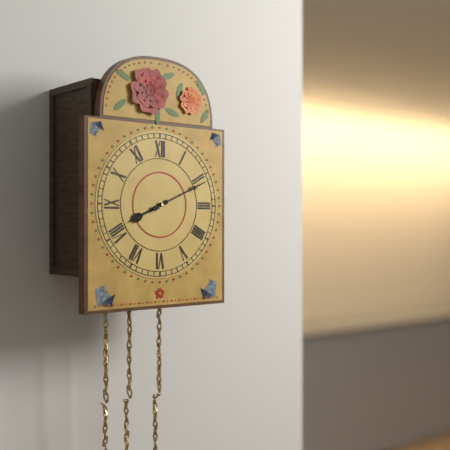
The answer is 8:11
